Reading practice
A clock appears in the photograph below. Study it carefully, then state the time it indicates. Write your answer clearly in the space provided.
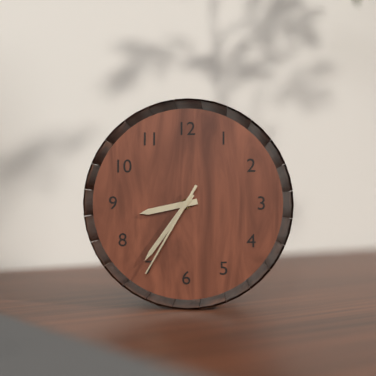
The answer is 8:36:35
